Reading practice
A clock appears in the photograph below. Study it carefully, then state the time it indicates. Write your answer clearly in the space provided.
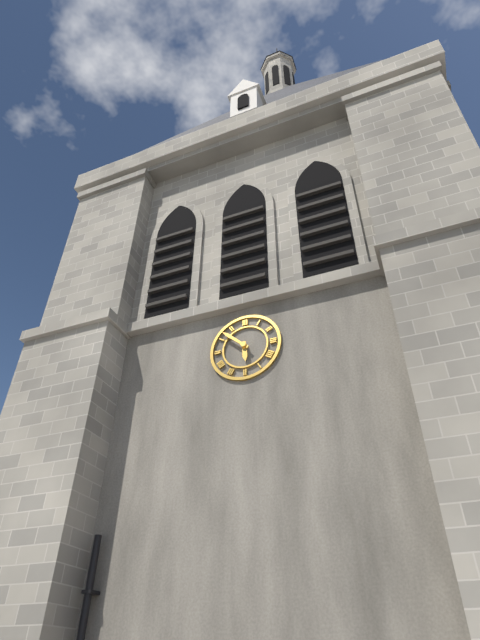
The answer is 5:52
